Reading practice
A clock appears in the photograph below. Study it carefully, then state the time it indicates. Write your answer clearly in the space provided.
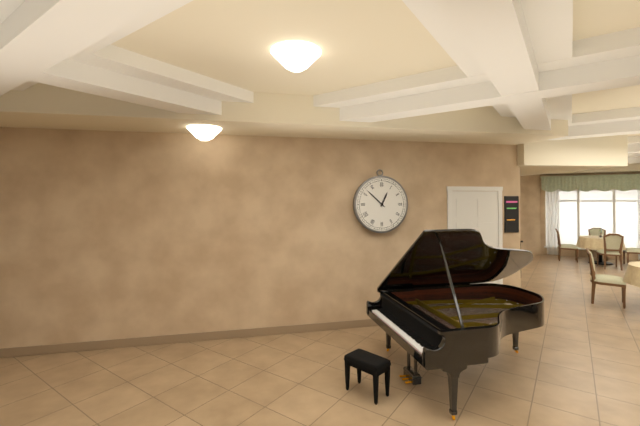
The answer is 12:52
